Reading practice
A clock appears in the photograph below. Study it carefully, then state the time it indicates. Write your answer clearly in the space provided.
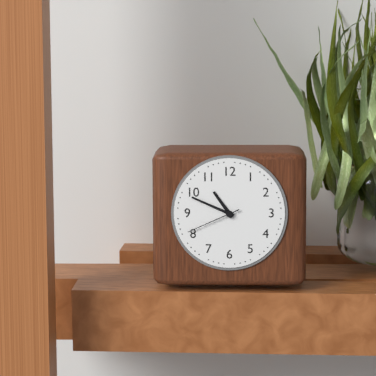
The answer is 10:49:41
